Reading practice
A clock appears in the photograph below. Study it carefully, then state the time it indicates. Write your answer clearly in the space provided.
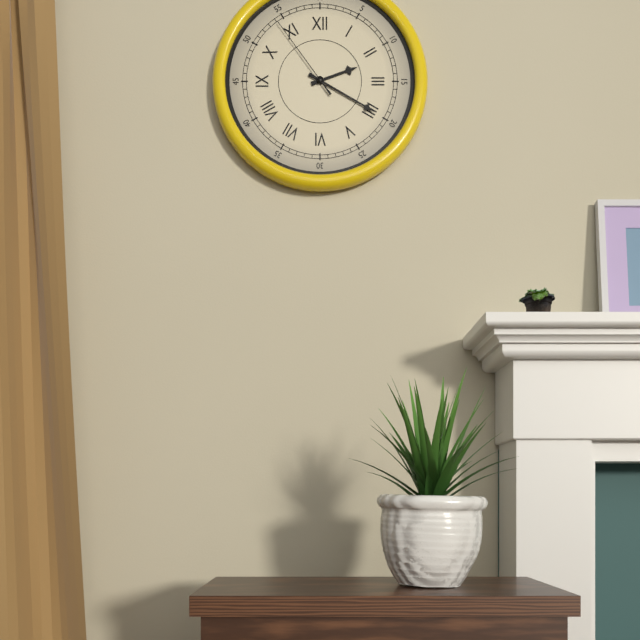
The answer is 2:20:54
